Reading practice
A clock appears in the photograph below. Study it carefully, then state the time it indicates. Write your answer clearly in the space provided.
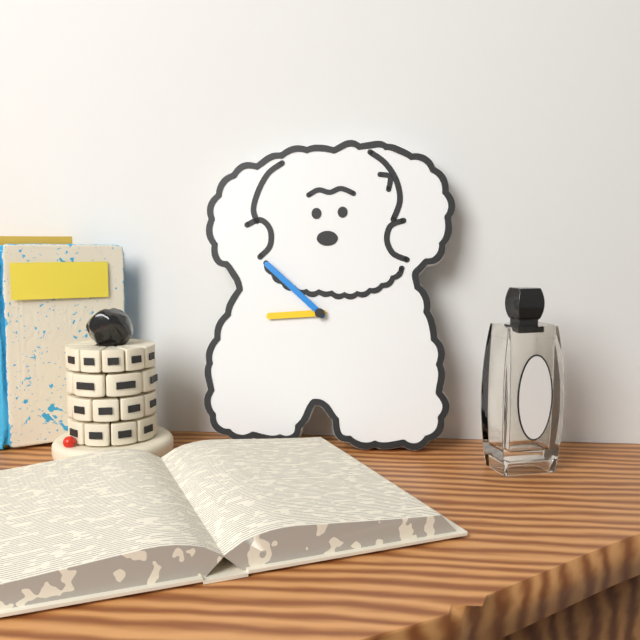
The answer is 8:52
